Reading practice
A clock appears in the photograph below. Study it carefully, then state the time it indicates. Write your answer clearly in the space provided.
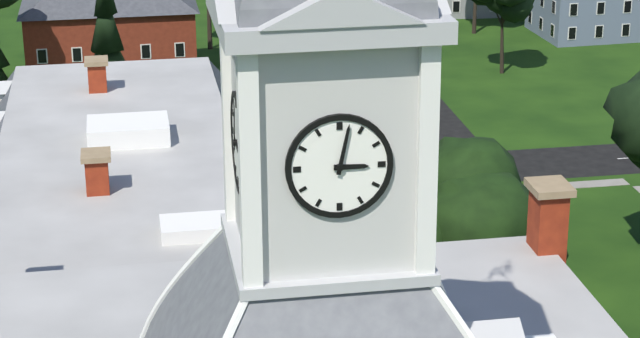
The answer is 3:02
